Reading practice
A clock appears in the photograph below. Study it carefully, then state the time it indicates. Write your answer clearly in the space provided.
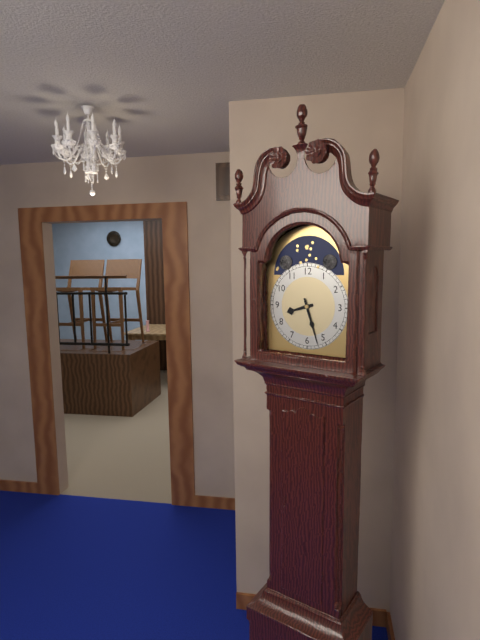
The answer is 8:27
